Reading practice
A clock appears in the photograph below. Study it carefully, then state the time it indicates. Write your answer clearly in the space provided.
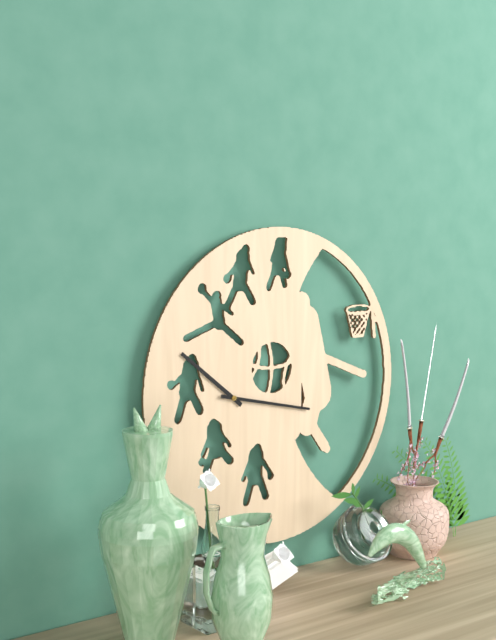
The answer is 10:17
